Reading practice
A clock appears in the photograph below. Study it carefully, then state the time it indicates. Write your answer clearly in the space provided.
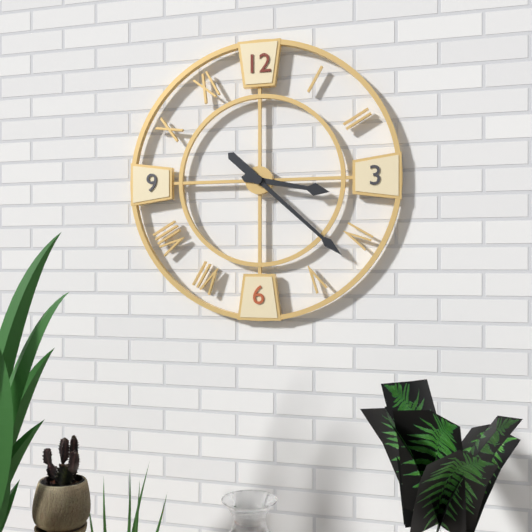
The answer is 3:22
